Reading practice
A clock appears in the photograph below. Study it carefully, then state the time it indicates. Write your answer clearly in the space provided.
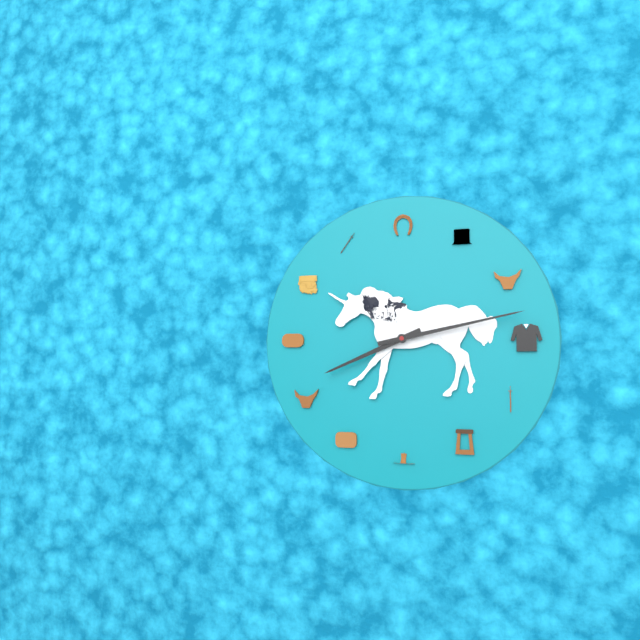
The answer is 8:13
